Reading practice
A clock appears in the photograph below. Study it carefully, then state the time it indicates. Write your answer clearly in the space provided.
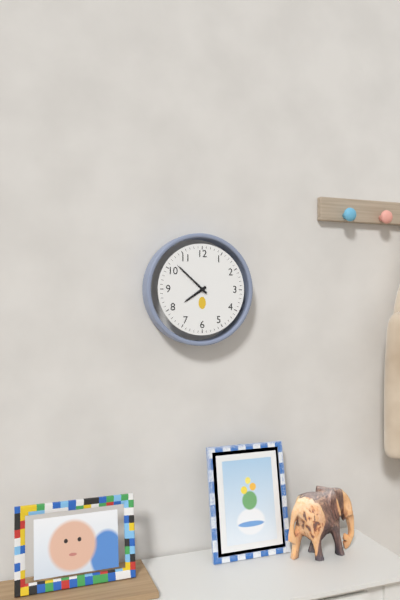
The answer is 7:52
